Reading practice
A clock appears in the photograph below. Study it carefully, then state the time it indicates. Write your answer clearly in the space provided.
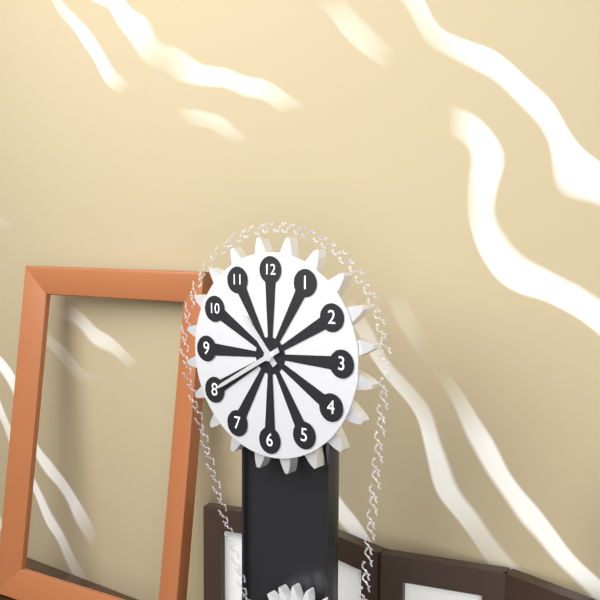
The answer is 10:40
